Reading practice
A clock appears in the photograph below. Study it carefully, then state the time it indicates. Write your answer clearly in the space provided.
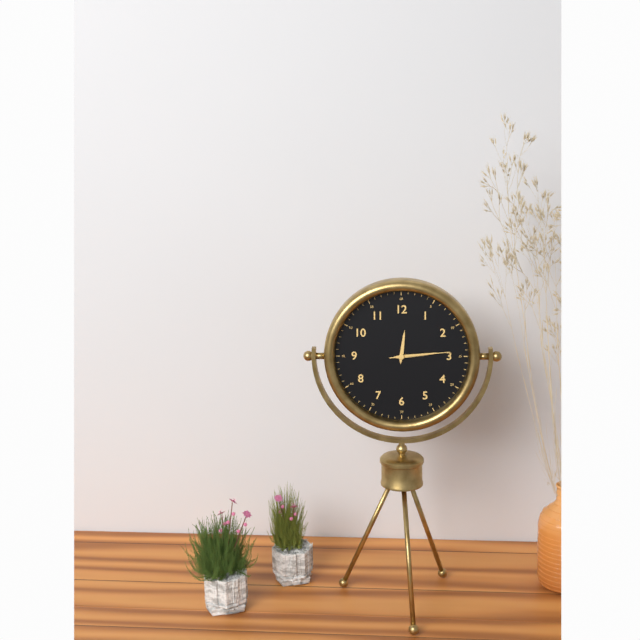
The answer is 12:14:14
